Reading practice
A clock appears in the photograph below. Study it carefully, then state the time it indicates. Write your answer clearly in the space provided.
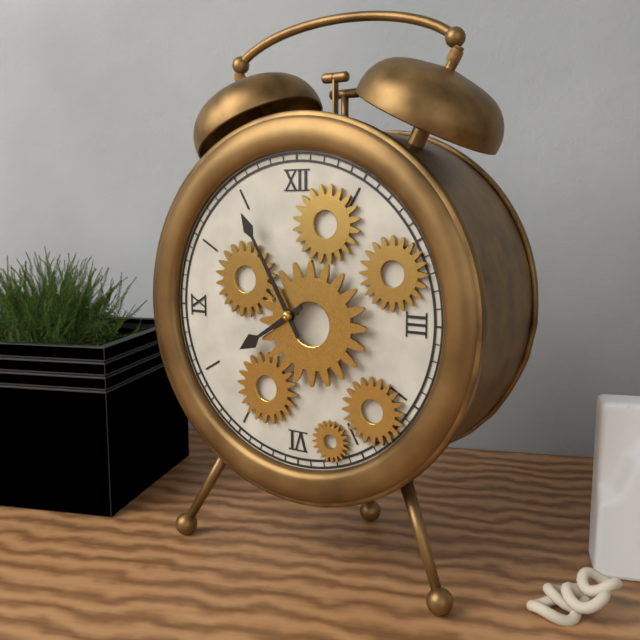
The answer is 7:55
